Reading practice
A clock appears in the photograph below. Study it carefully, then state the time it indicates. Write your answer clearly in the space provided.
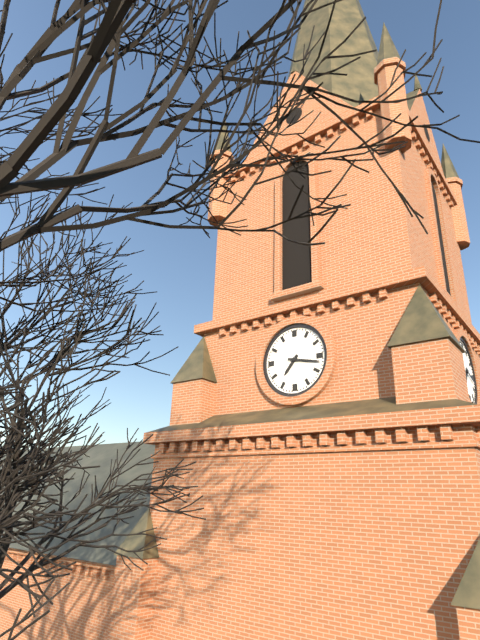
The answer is 7:17
